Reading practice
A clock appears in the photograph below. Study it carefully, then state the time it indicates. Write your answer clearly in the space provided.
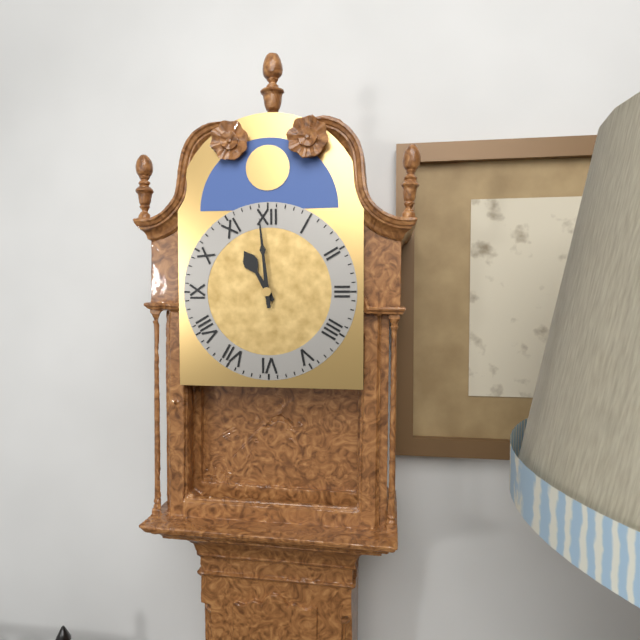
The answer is 10:59
